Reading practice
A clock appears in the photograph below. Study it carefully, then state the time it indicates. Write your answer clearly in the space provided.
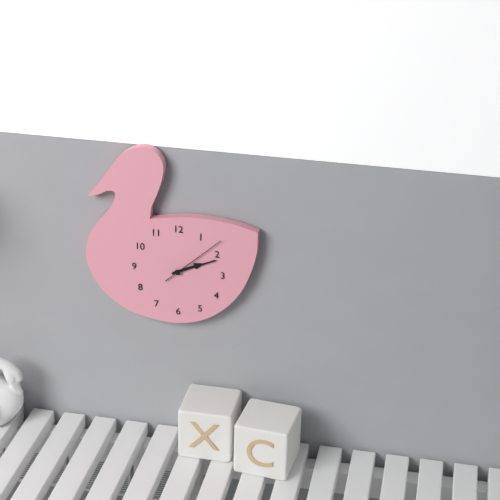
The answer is 2:11:08
